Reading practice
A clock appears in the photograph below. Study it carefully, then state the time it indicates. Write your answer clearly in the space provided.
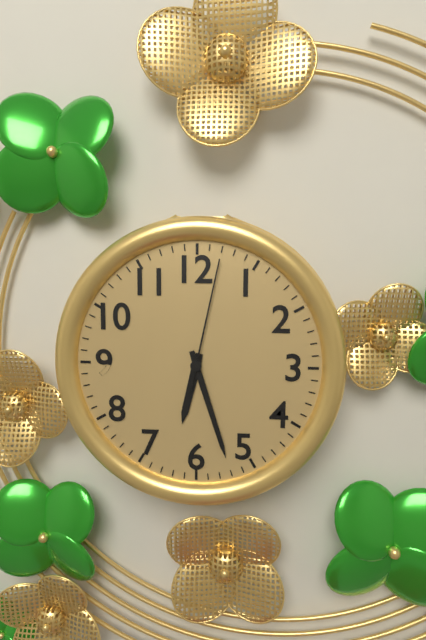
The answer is 6:27:02
